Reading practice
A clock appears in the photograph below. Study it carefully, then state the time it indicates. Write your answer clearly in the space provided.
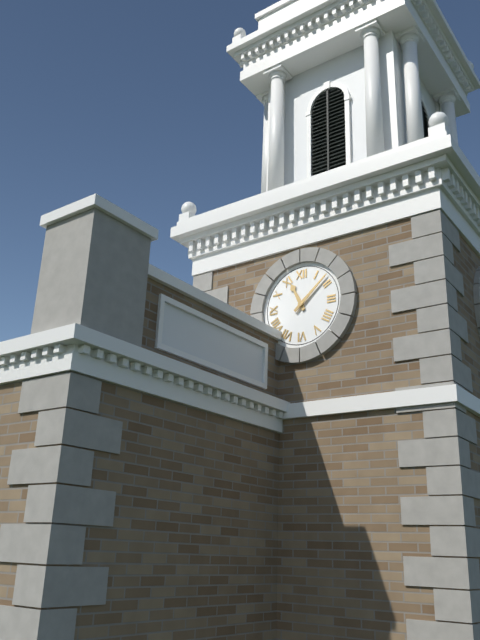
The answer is 11:08
